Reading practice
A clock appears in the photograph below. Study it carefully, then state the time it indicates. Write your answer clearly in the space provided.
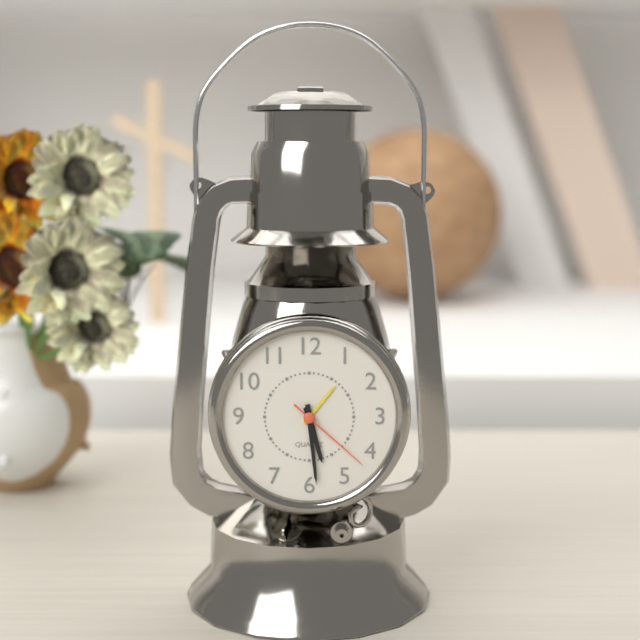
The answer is 5:29:22
